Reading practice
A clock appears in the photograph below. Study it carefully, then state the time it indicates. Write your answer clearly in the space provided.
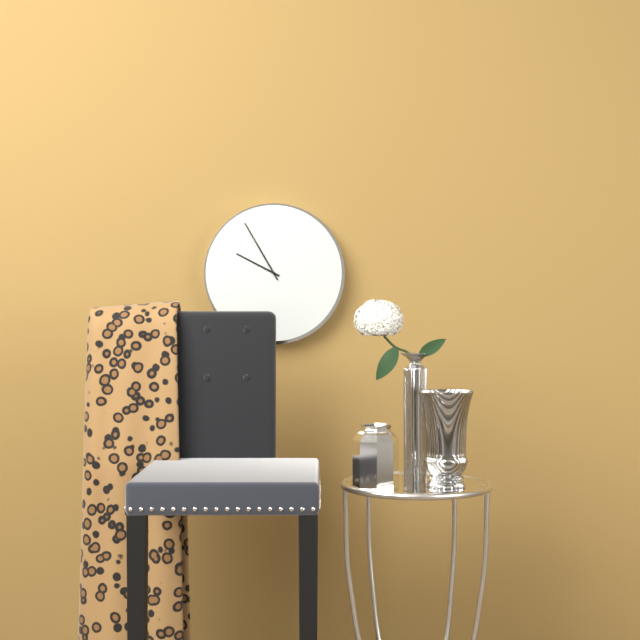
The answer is 9:55
